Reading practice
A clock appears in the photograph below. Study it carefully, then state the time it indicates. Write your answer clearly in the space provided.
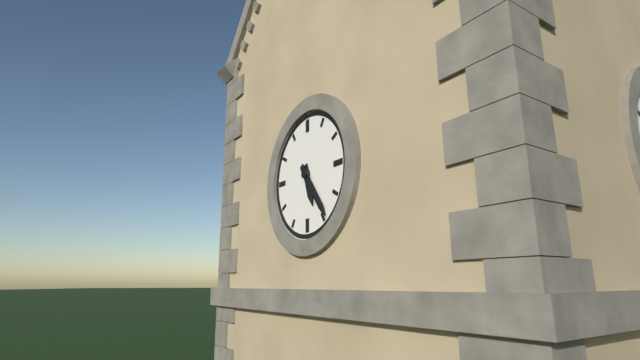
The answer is 5:24
